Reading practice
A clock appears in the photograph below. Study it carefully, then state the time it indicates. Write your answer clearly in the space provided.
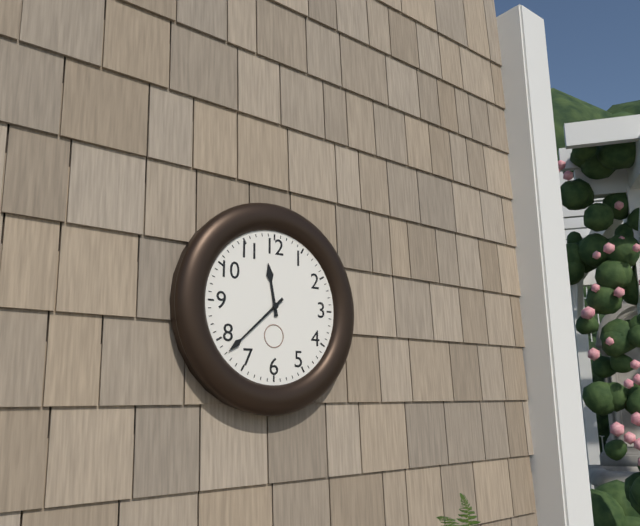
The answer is 11:38
